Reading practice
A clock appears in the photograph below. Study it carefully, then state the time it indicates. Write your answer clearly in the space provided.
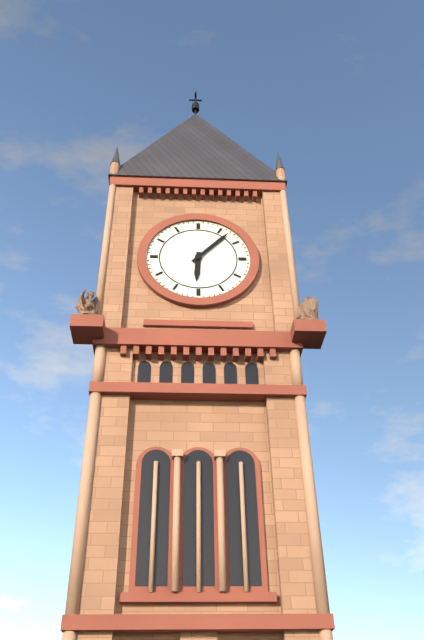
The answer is 6:07
